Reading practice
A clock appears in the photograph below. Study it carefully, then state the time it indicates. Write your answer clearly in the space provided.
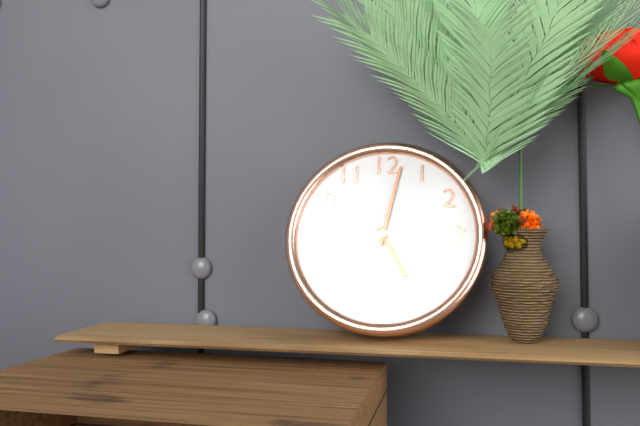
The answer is 5:02
